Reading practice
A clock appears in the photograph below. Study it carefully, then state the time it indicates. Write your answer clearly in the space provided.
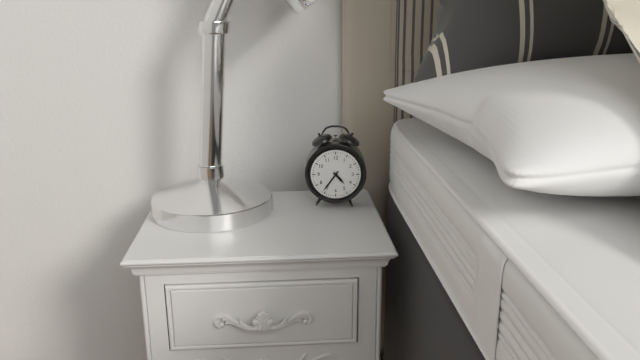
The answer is 4:36
